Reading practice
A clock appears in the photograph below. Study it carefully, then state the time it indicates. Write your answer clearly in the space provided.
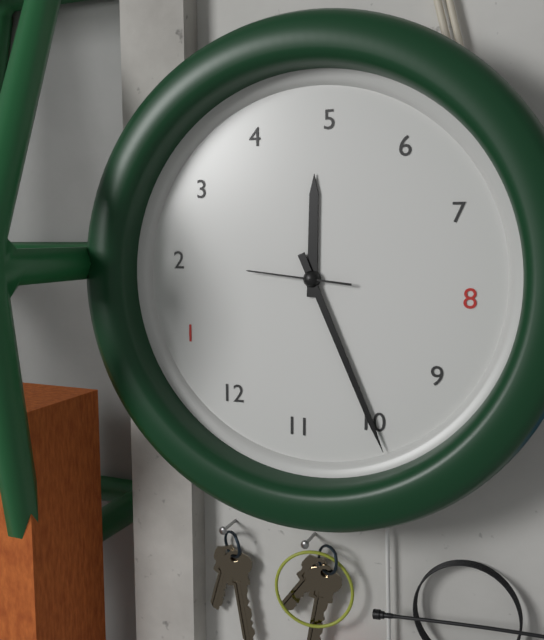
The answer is 4:50:10
